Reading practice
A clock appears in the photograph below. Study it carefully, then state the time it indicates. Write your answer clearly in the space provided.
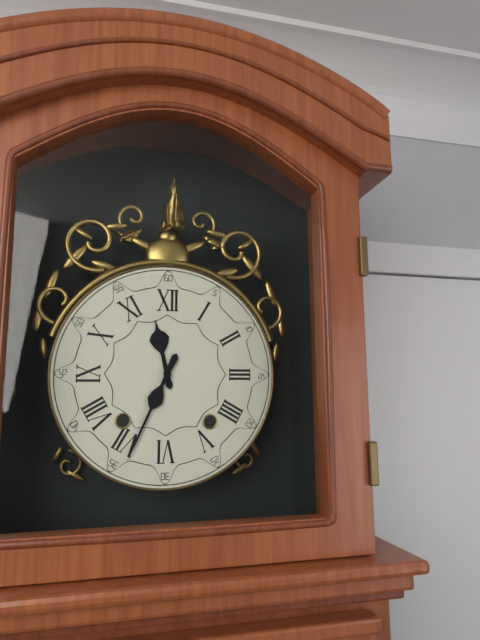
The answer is 11:34
